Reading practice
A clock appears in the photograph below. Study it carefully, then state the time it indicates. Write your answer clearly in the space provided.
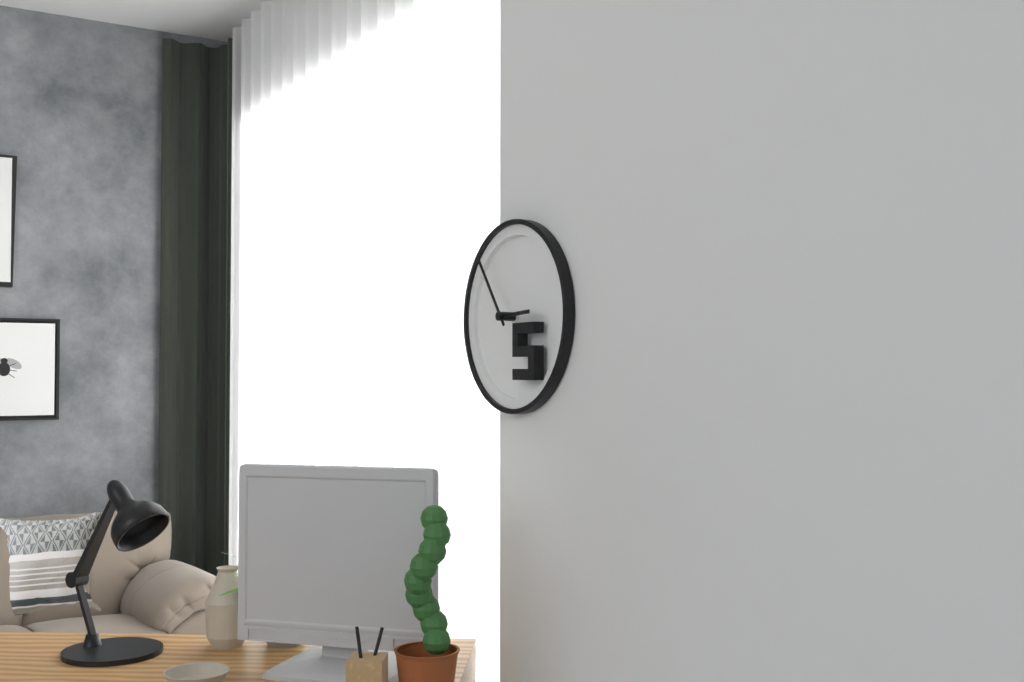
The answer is 2:54
